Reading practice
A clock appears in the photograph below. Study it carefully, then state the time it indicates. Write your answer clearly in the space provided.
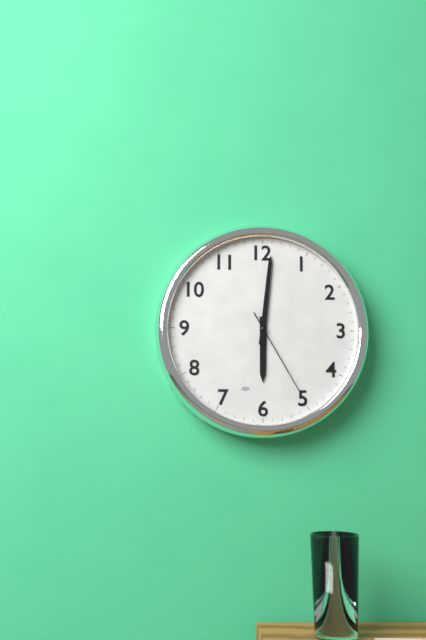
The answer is 6:01:25
